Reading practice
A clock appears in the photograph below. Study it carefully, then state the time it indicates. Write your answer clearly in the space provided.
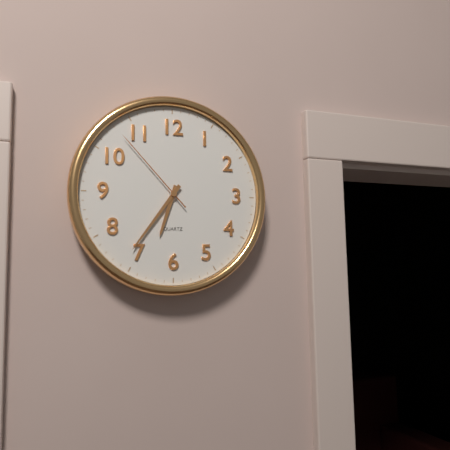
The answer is 6:36:53
